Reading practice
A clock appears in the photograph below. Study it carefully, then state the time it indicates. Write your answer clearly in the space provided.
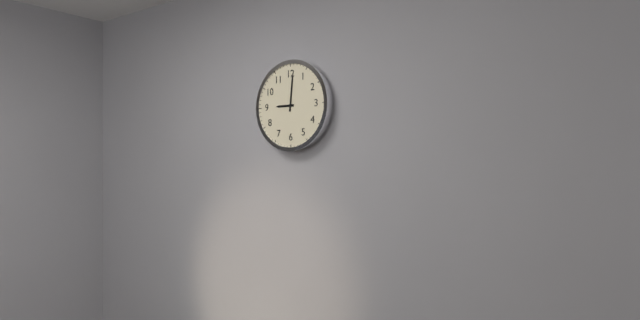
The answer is 9:01
